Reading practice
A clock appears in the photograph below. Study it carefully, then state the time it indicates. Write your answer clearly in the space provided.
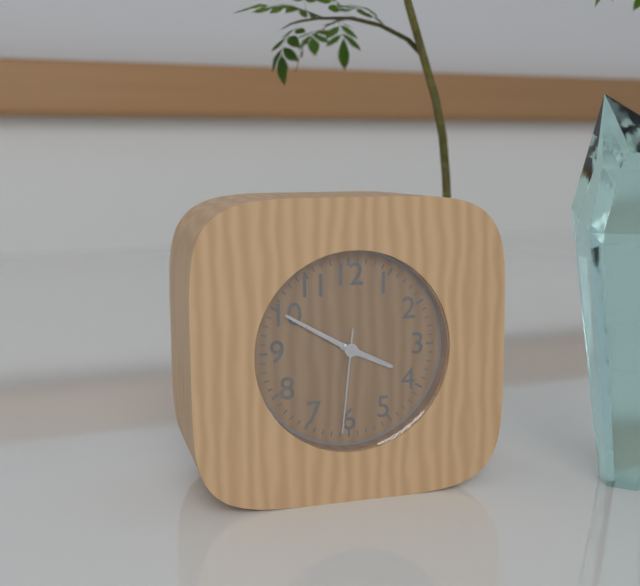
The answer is 3:50:31
